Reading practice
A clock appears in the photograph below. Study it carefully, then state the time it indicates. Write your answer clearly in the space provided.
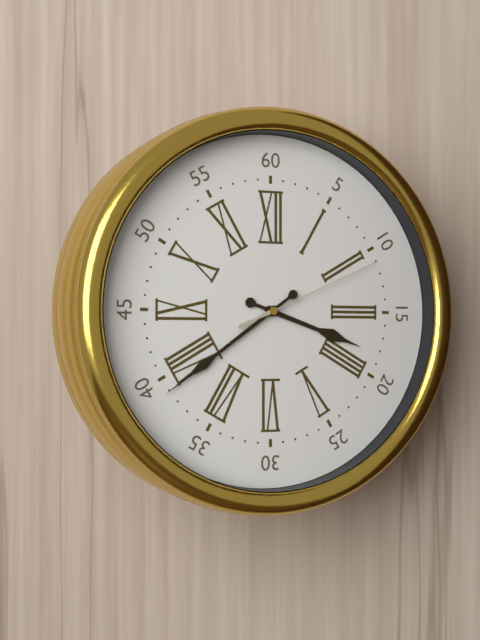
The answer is 3:39:11
